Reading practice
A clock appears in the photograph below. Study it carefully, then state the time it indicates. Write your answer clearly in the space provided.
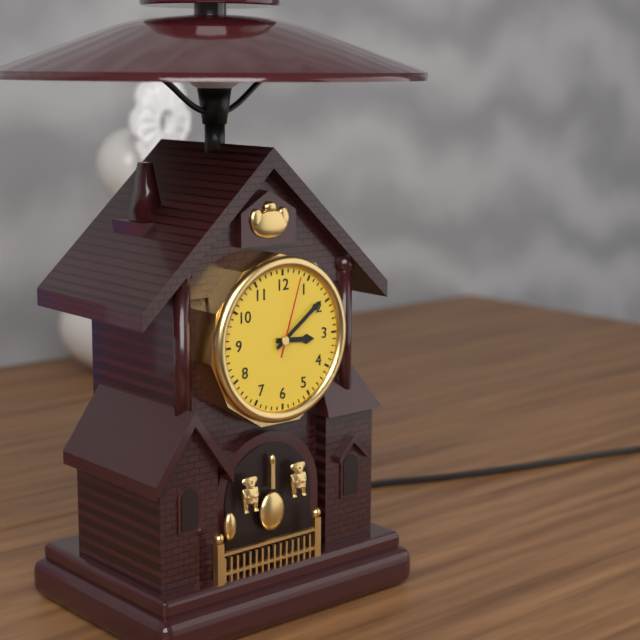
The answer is 3:09:03
